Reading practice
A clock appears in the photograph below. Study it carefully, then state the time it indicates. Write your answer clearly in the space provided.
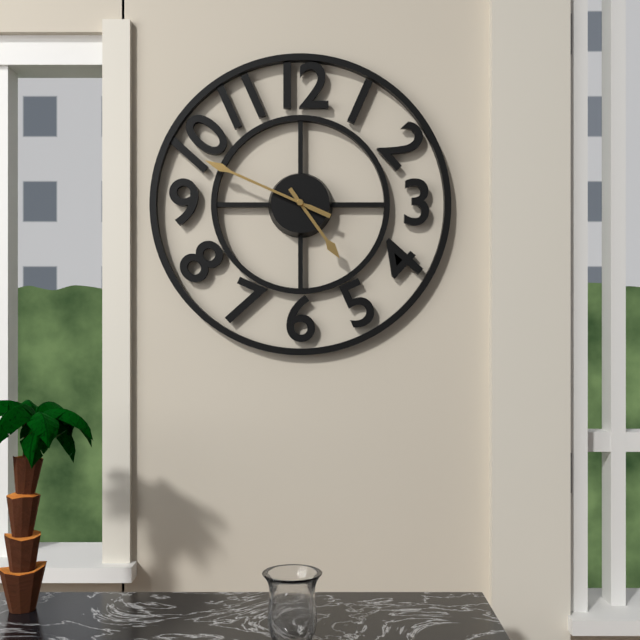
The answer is 4:49
